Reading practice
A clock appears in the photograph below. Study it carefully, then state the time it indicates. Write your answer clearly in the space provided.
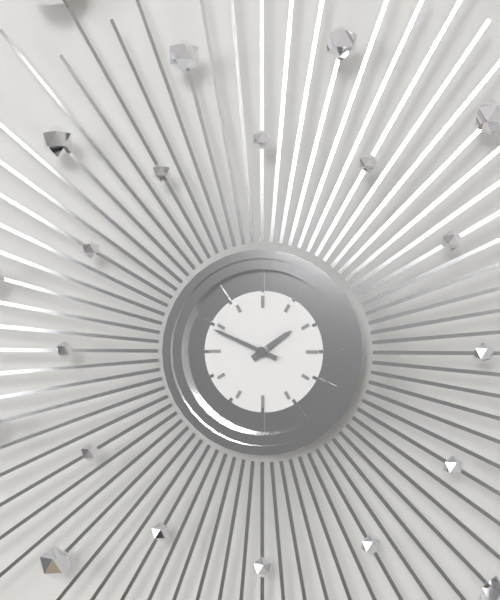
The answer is 1:49
